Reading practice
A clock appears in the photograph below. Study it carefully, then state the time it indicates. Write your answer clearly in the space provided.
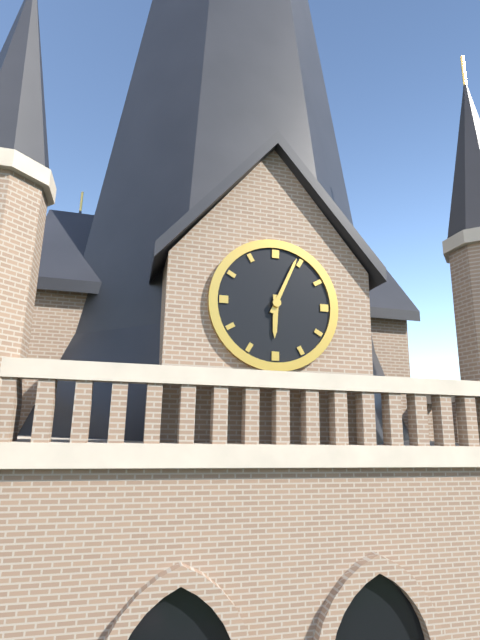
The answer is 6:04
